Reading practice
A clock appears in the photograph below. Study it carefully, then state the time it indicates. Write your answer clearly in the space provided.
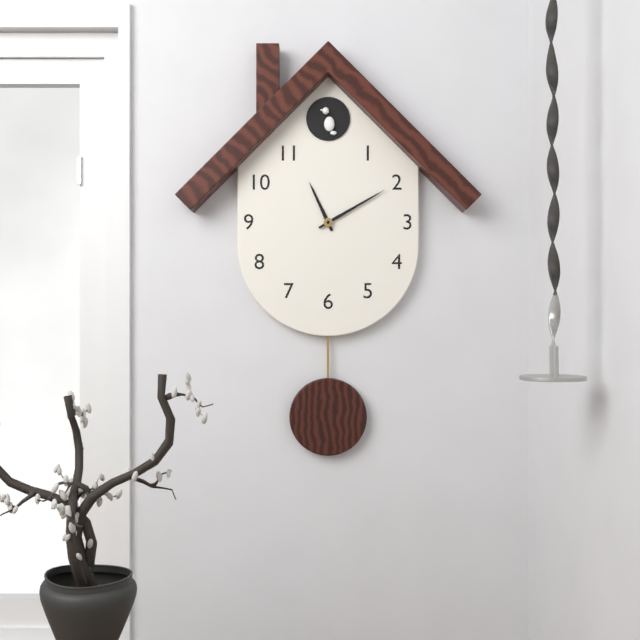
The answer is 11:10
